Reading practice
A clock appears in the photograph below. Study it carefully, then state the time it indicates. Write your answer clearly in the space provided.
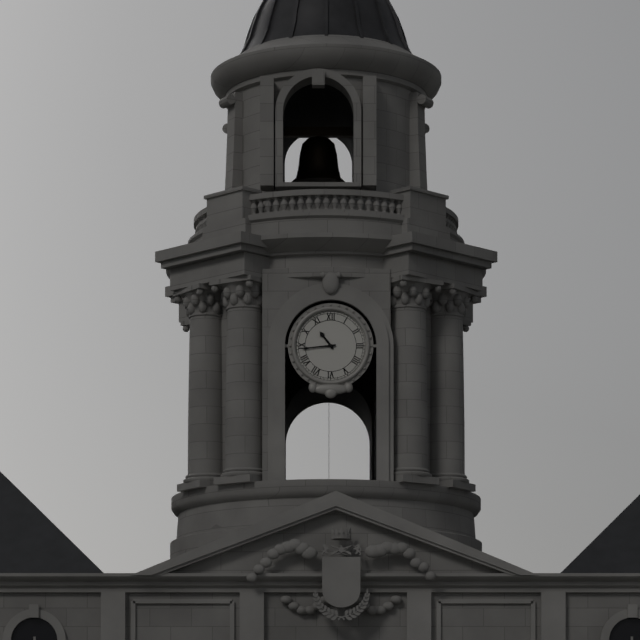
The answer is 10:44
